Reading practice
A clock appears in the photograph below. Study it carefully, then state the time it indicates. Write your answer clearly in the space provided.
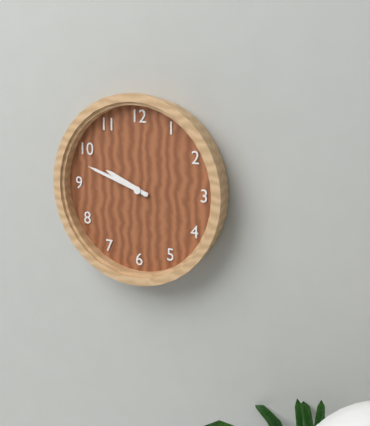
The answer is 9:48
